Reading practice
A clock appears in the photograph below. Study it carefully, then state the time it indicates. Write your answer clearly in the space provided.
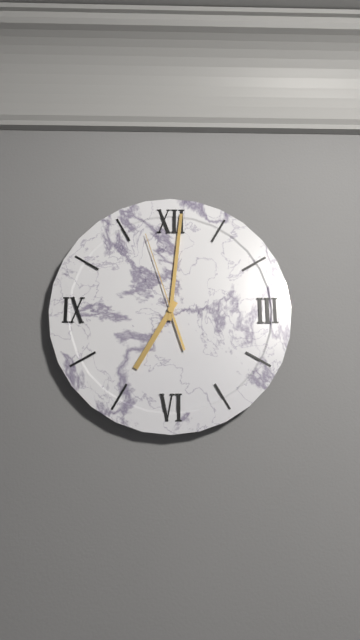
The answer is 7:01:57
